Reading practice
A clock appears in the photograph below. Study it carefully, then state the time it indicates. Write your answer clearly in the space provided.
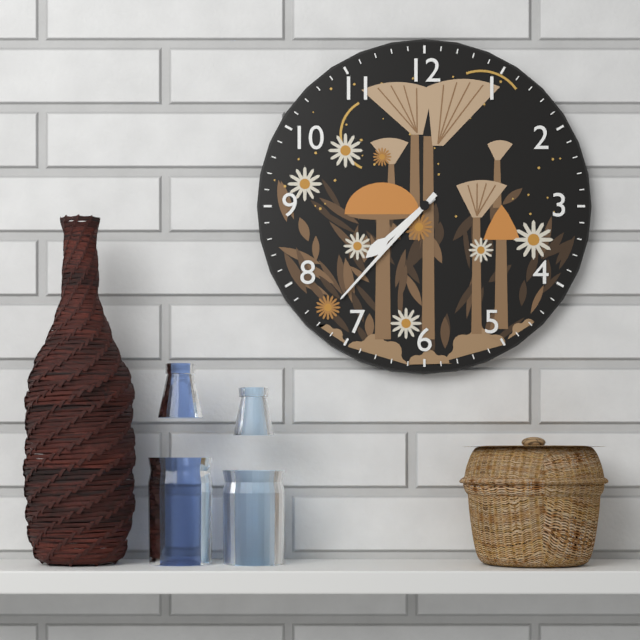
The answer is 7:37
